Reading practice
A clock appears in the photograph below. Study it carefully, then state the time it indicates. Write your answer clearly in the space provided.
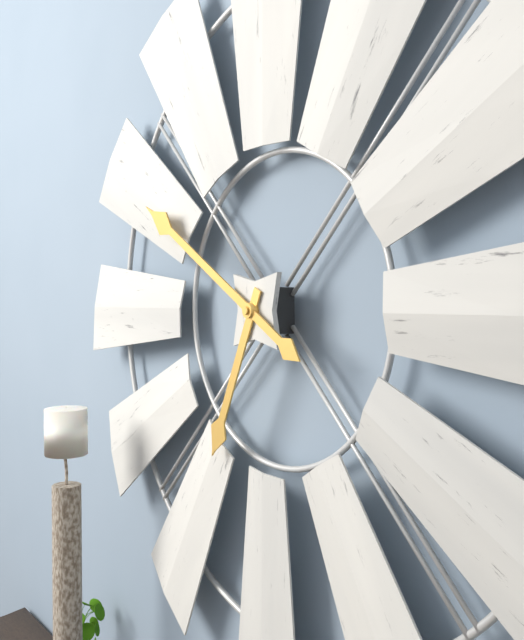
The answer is 6:50
